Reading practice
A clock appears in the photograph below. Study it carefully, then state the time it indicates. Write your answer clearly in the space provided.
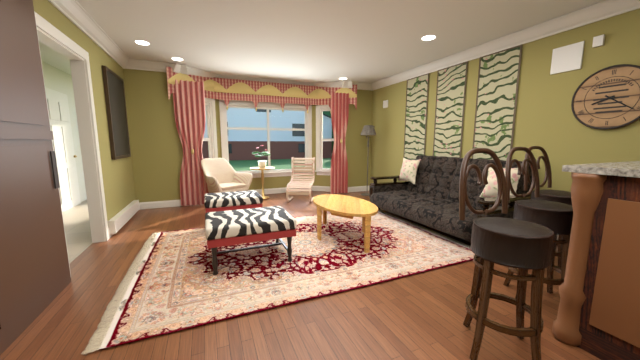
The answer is 8:21
